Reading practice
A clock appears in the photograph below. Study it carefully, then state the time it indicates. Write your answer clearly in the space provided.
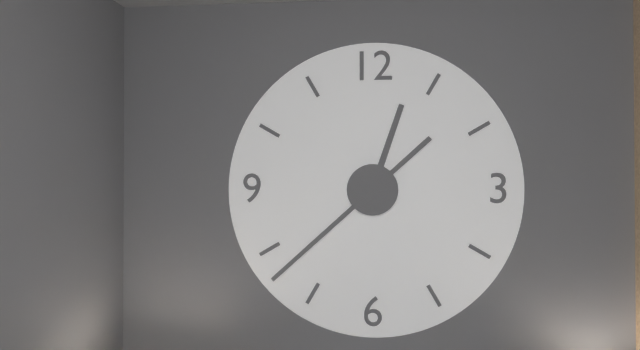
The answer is 12:38
